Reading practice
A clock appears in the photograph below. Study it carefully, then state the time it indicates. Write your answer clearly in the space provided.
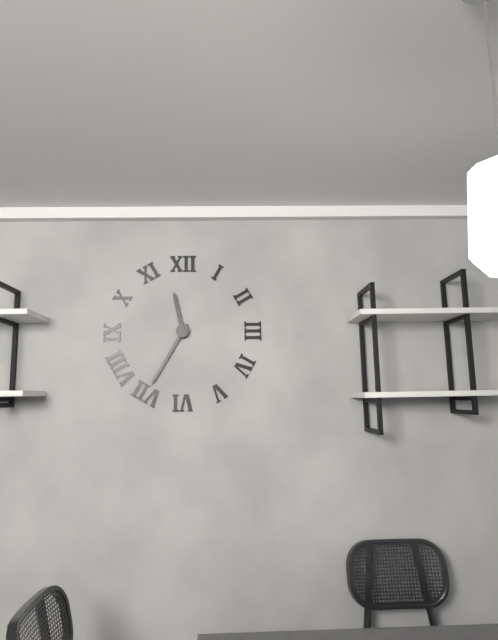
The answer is 11:35
